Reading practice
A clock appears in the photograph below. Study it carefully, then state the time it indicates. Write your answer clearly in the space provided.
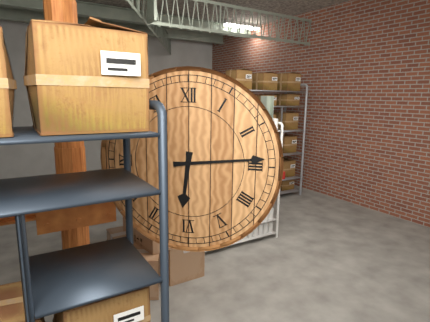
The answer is 6:14
